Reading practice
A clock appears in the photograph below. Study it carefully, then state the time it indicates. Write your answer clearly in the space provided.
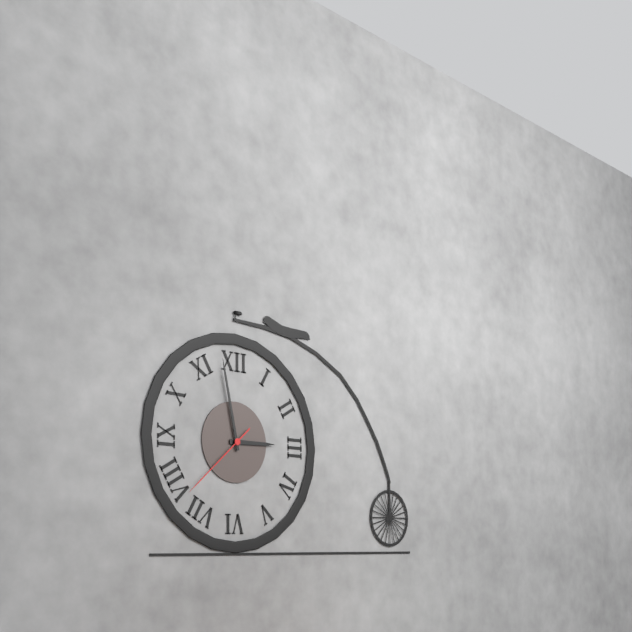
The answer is 2:58:38
